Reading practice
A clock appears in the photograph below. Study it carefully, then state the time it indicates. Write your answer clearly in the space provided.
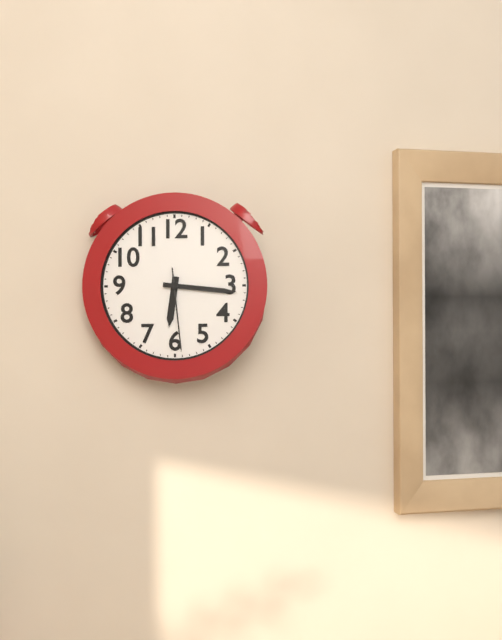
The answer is 6:16:29
